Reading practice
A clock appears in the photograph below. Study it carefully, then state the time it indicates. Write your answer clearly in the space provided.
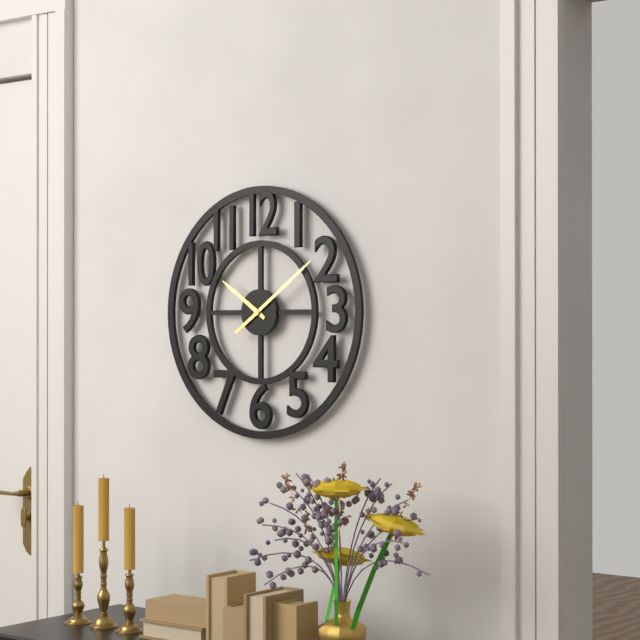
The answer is 10:09
